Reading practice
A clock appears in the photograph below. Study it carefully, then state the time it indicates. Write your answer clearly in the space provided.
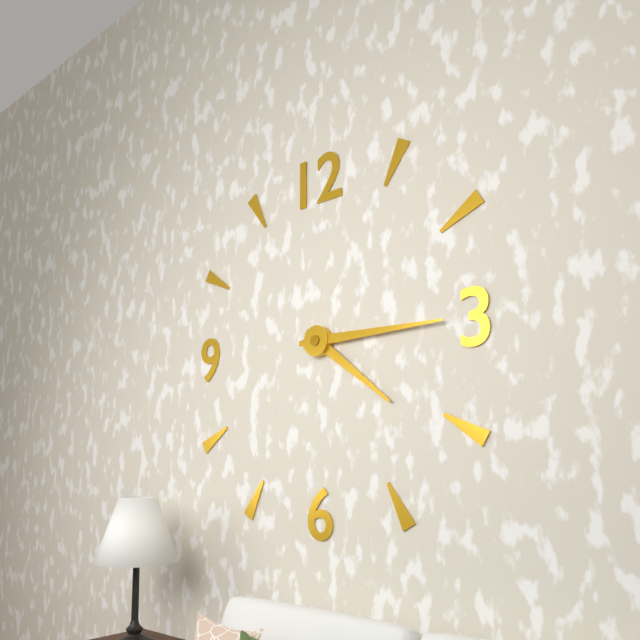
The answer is 4:15
